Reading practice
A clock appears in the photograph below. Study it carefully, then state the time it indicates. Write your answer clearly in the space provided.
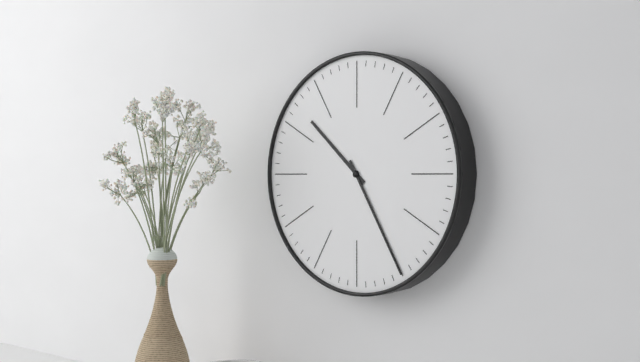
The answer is 10:25
